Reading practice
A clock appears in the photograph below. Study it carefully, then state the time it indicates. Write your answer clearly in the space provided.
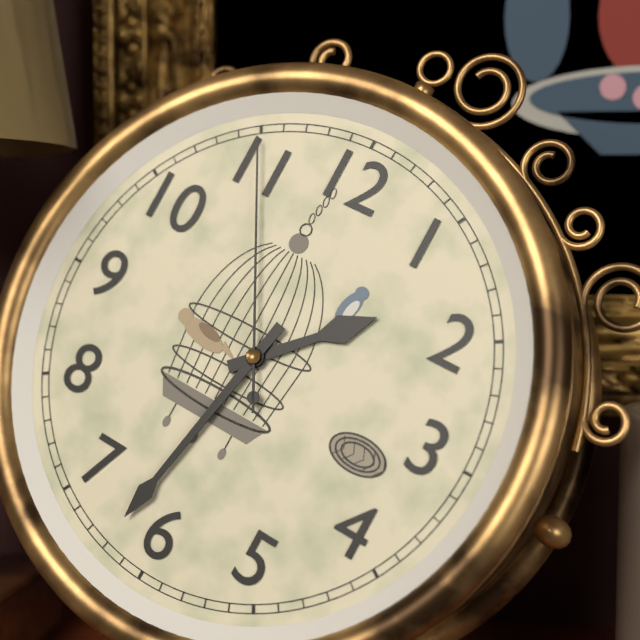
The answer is 1:32:55
